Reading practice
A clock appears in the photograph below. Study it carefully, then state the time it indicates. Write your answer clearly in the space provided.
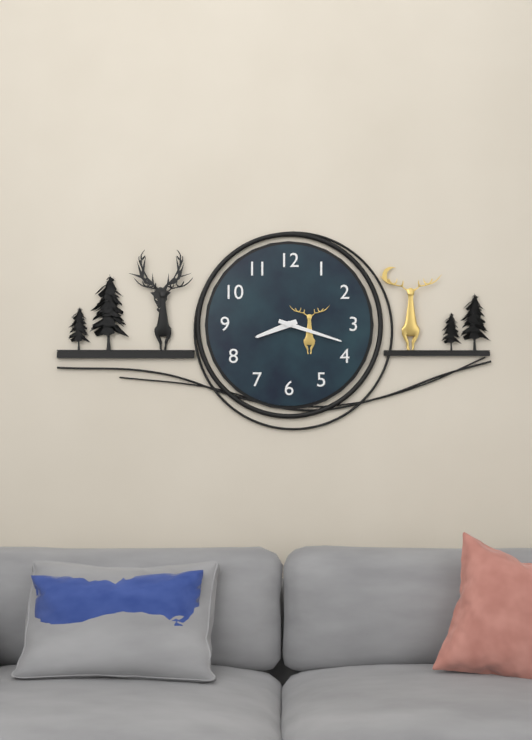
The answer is 8:18
